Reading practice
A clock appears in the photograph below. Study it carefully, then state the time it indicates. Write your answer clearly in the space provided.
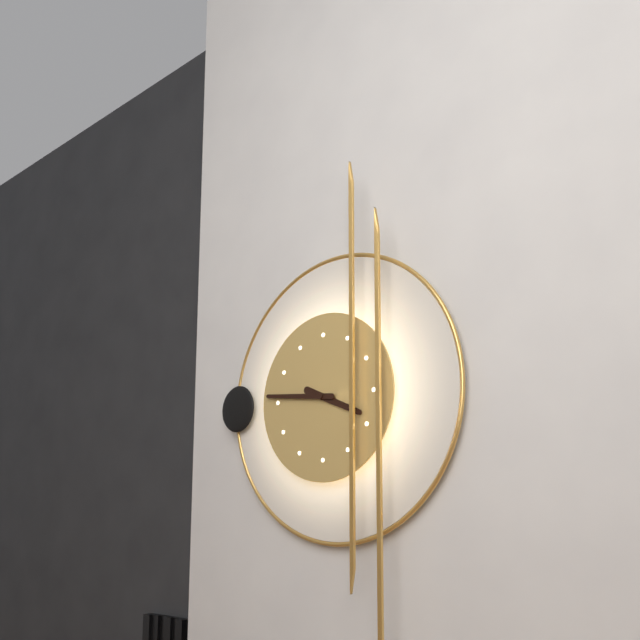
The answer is 3:46
